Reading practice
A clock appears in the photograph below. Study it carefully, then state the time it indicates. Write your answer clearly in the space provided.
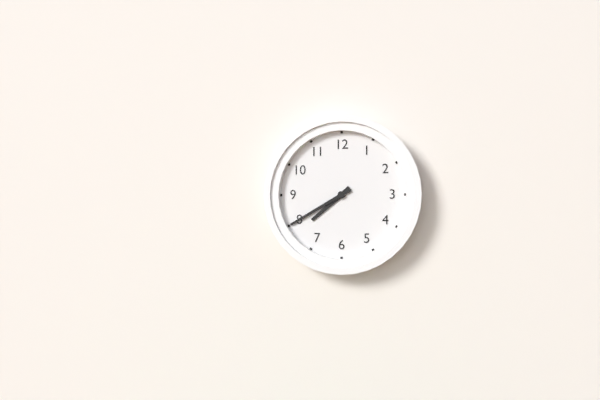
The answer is 7:40
